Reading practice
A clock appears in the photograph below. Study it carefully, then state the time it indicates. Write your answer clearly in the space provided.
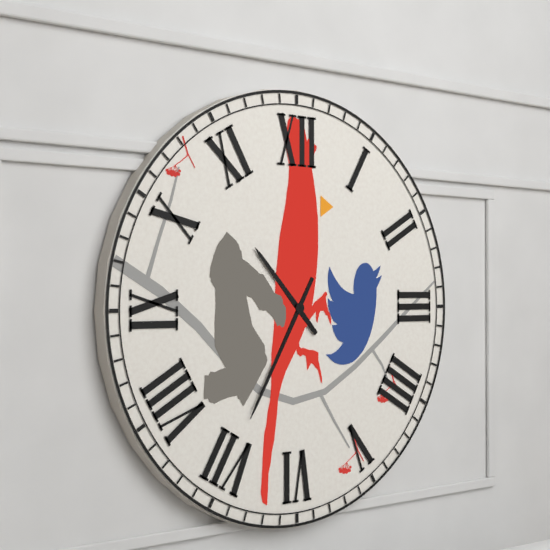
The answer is 10:35
